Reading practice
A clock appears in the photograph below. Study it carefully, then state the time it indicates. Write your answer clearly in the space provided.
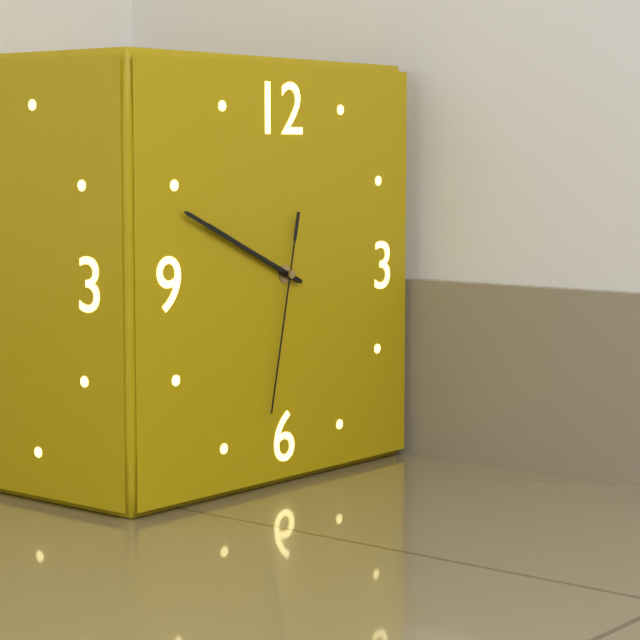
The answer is 9:49:32
